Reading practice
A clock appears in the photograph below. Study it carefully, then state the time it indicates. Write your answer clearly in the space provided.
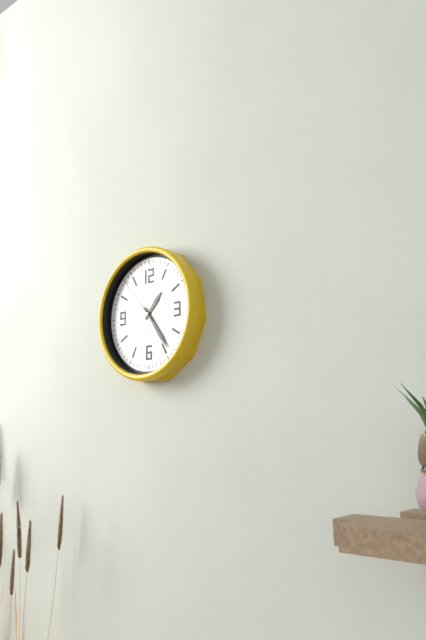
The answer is 1:24:53
